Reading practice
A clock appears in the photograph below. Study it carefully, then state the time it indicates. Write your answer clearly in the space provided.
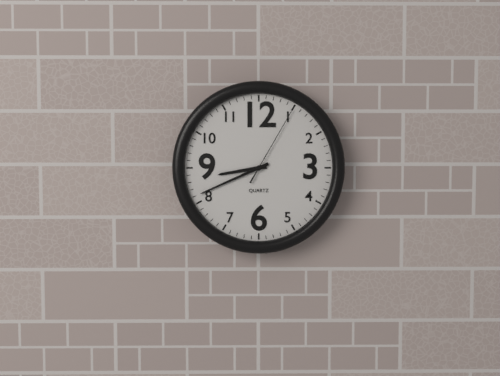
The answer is 8:41:05
